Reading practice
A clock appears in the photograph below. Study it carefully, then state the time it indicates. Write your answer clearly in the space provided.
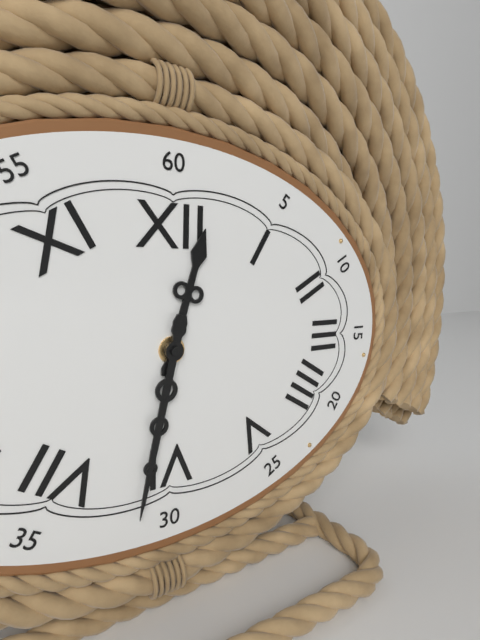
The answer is 12:32
